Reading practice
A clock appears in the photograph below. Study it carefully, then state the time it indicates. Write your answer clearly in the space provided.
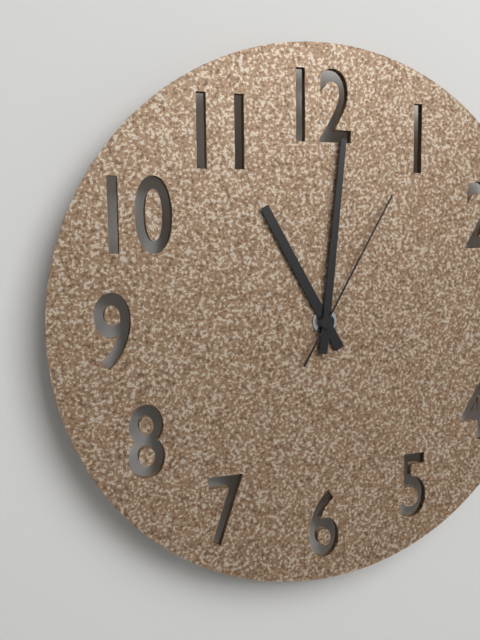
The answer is 11:01:05
